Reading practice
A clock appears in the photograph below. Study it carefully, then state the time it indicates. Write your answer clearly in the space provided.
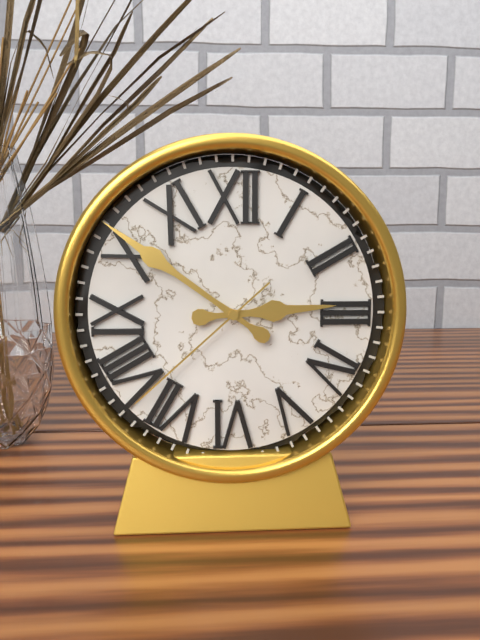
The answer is 2:51:38
